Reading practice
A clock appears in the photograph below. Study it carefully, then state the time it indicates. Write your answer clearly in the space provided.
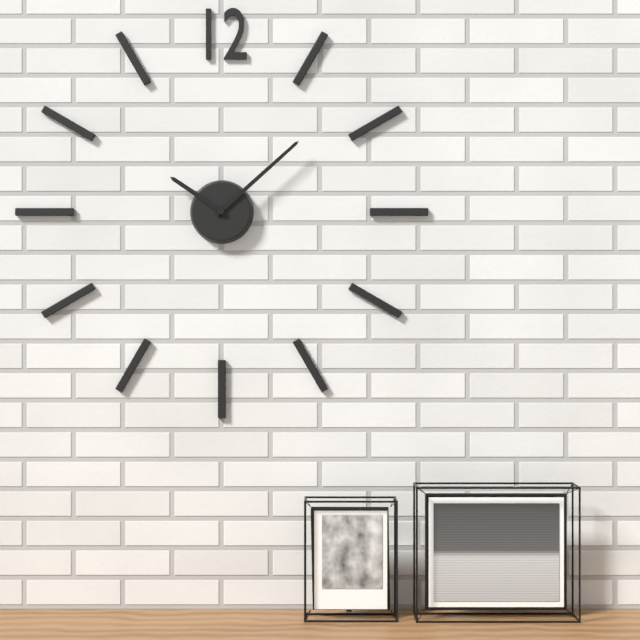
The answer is 10:08
